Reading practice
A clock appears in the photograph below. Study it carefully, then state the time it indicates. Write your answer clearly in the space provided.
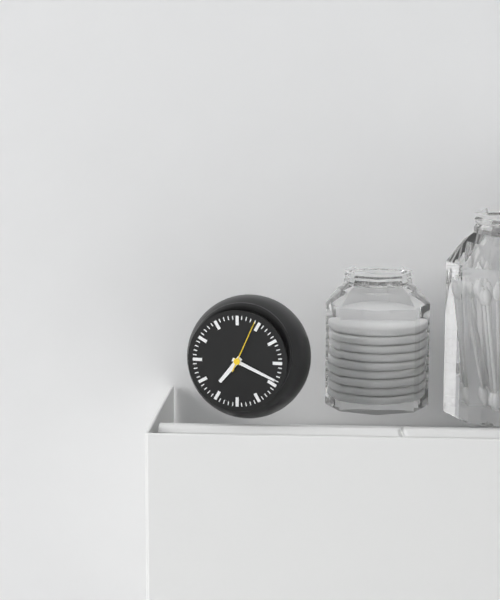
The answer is 7:19:04
